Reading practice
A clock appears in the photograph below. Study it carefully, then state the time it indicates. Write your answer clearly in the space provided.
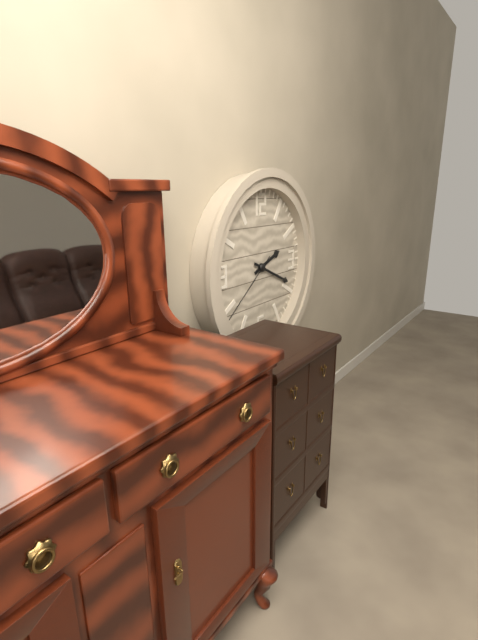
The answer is 2:19:39
